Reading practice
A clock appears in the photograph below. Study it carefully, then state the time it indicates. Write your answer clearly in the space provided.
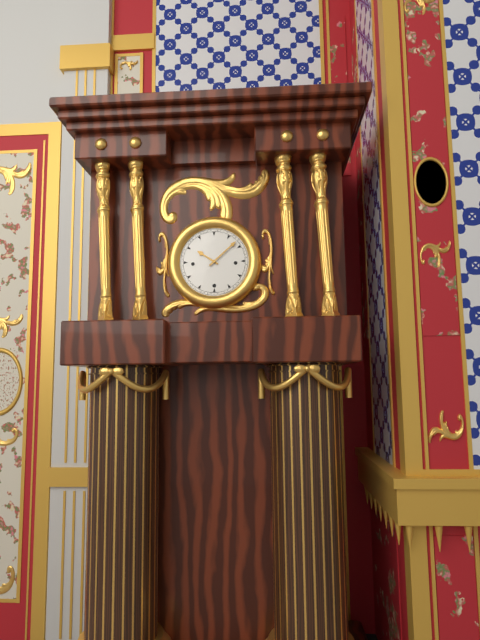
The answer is 10:08
